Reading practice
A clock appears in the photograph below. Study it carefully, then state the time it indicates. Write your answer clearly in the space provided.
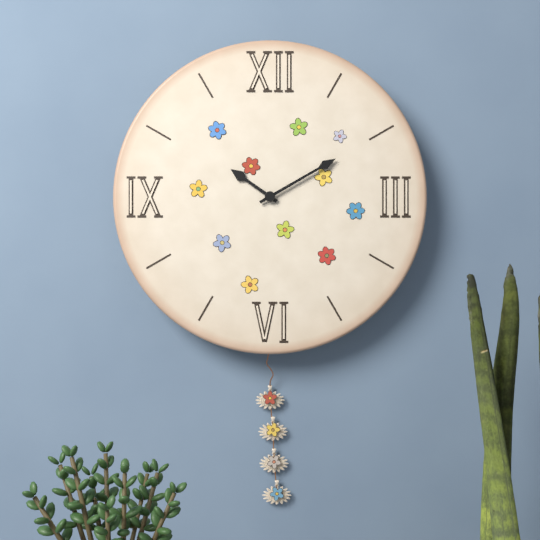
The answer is 10:10
